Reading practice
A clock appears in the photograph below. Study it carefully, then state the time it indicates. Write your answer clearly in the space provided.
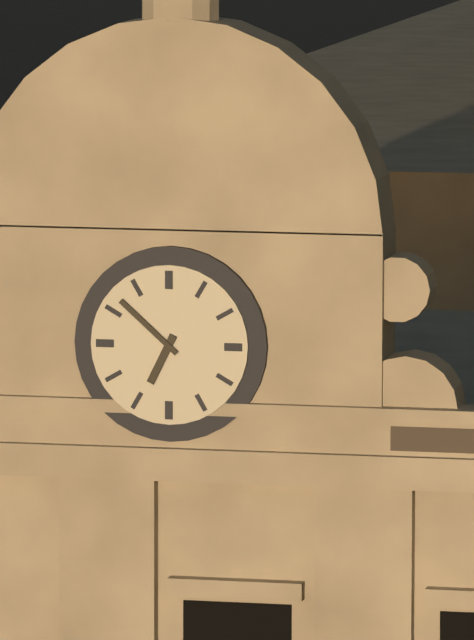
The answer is 6:52
